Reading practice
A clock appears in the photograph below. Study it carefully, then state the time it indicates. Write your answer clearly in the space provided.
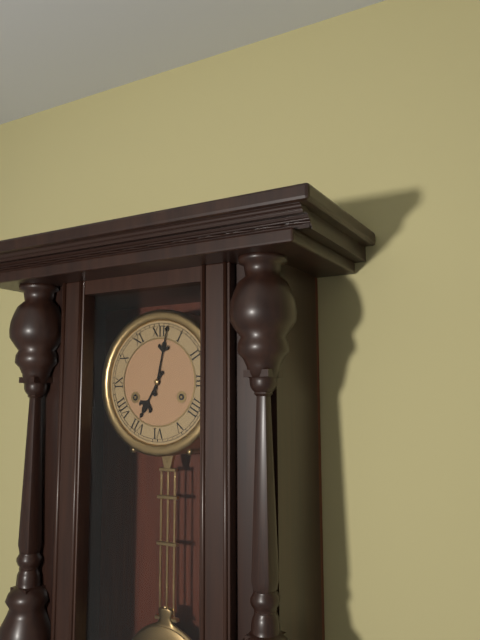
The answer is 7:02
